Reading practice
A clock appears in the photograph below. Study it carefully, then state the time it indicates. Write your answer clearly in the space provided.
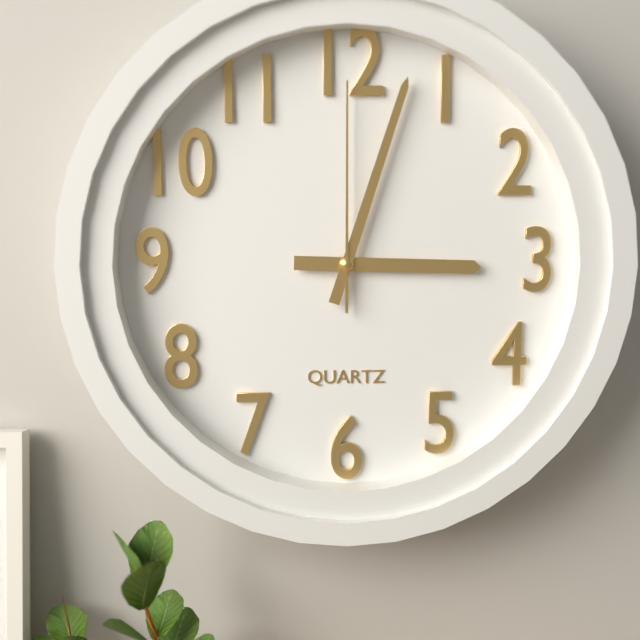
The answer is 3:03:00
